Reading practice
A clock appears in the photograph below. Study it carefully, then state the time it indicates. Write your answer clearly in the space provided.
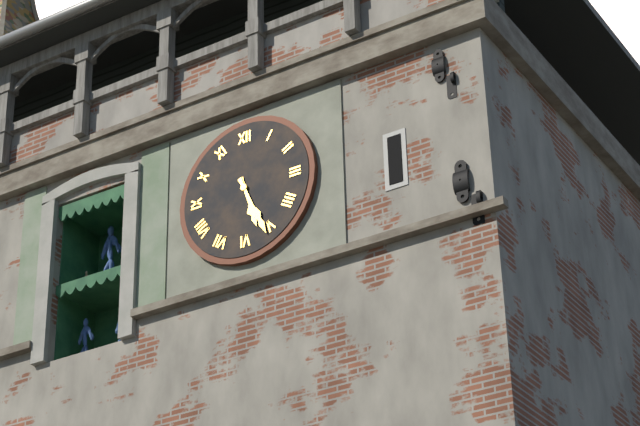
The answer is 5:26
